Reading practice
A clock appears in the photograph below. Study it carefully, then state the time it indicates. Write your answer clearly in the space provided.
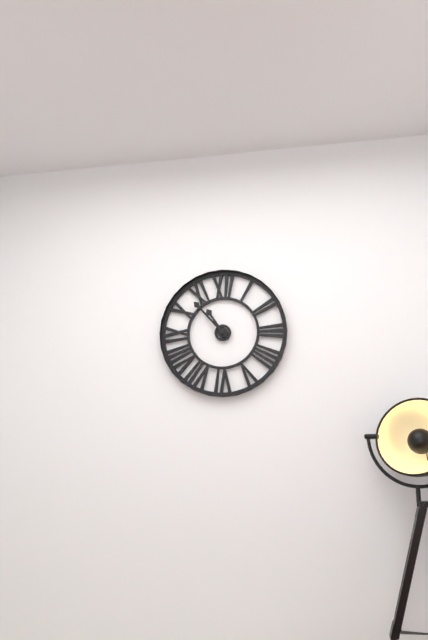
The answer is 10:53
